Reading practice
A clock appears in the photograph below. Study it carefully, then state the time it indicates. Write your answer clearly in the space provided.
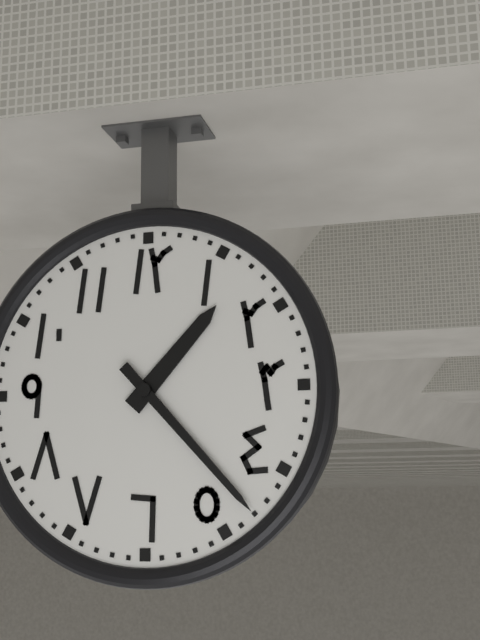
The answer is 1:23
